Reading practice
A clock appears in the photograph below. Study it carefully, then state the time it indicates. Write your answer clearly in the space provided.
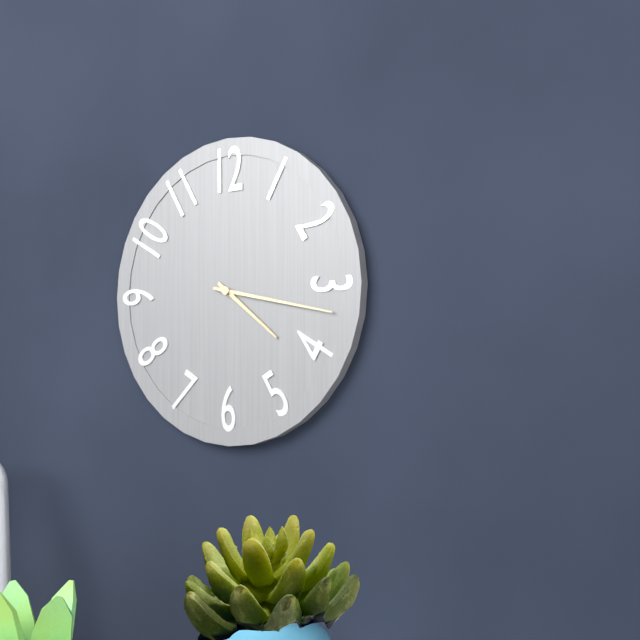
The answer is 4:17
